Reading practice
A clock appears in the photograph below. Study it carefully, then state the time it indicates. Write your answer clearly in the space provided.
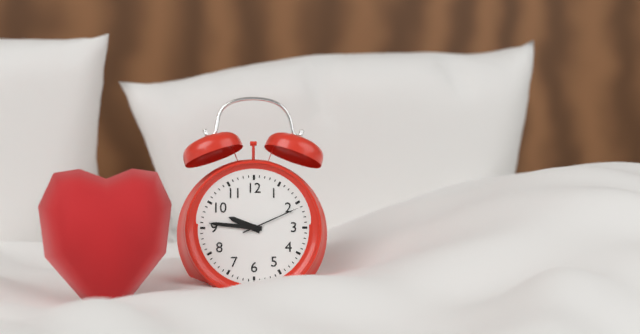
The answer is 9:46:11
